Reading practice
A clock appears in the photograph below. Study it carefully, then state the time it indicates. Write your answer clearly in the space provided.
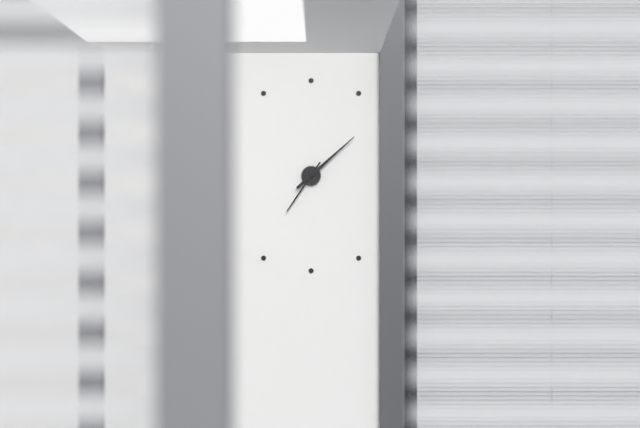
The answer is 7:08
